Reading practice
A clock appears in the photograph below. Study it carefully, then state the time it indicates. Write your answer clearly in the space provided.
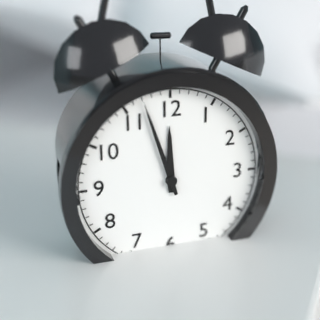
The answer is 11:57
